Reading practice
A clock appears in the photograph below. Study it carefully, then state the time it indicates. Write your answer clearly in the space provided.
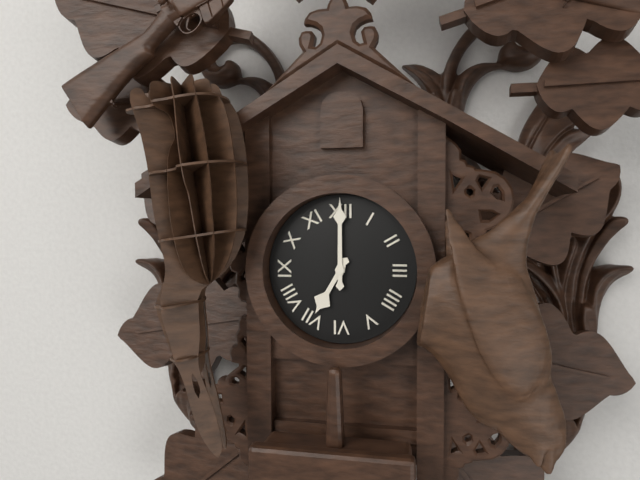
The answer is 7:00
